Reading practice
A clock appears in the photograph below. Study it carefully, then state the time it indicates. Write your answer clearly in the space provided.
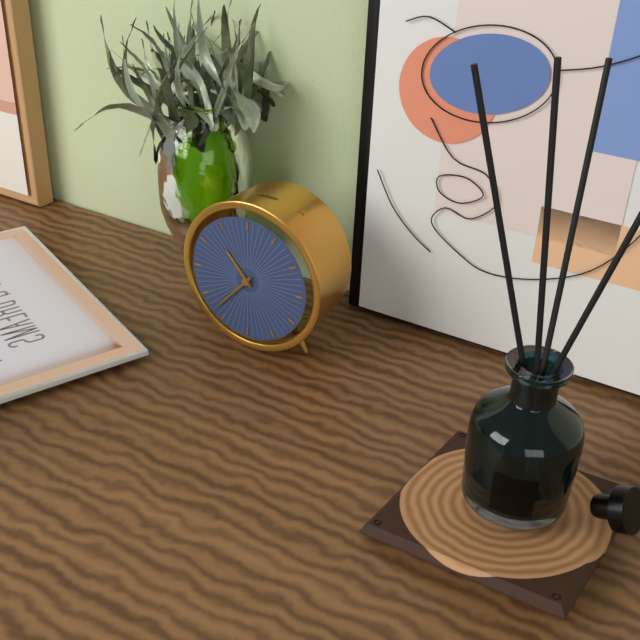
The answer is 10:37
